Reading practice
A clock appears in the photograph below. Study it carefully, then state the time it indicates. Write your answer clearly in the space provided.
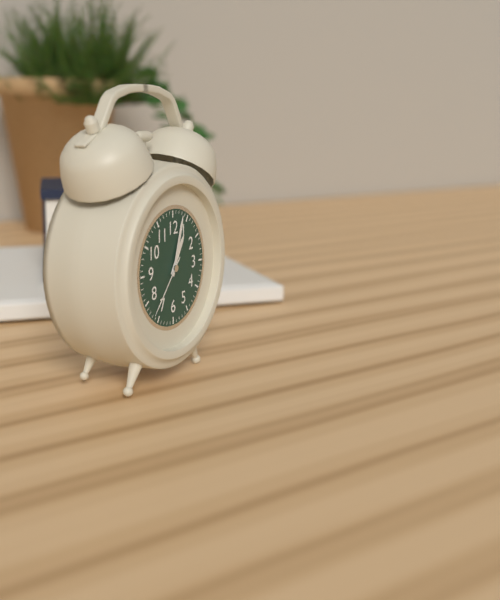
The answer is 1:03:37
